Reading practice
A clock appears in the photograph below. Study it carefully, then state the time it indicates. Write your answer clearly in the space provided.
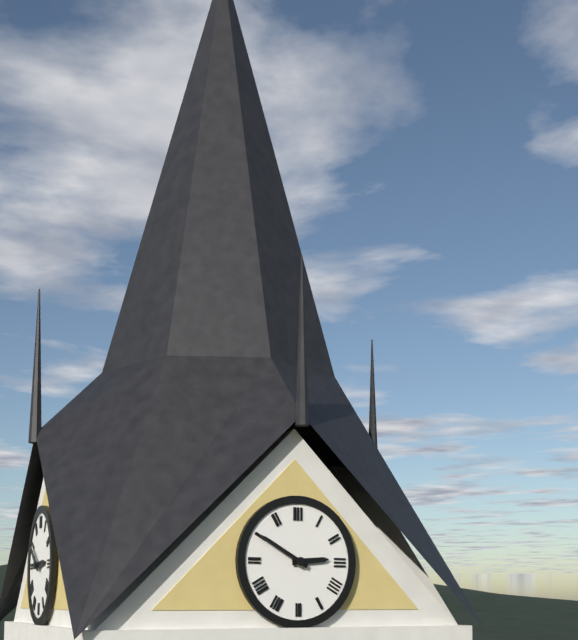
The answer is 2:50
